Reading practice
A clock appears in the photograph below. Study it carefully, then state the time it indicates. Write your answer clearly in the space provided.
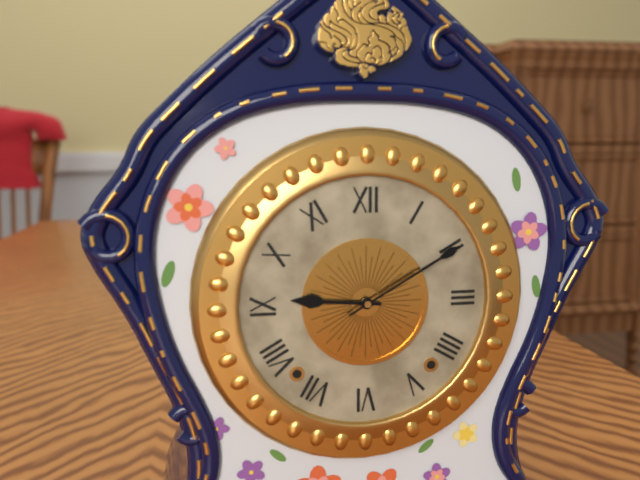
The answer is 9:10
